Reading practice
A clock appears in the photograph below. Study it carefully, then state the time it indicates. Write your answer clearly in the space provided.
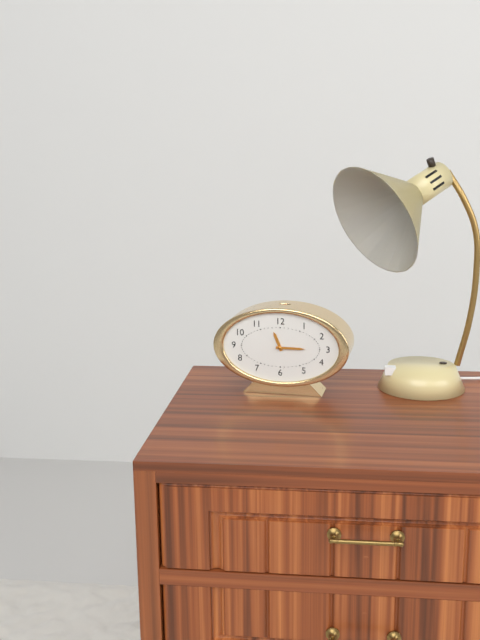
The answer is 11:15
